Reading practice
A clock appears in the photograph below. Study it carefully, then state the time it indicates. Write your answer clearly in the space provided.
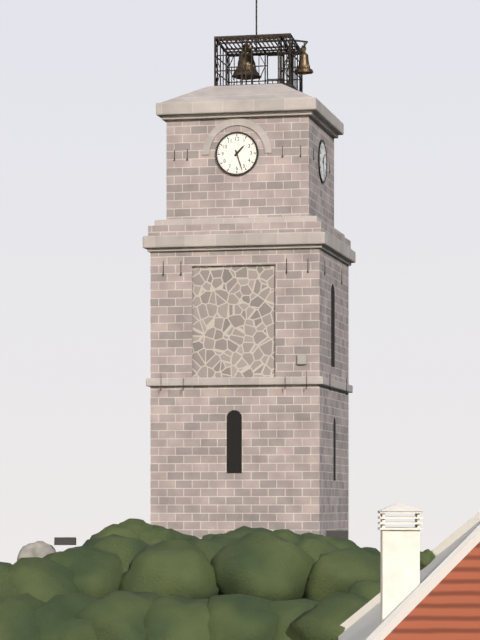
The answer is 1:27
